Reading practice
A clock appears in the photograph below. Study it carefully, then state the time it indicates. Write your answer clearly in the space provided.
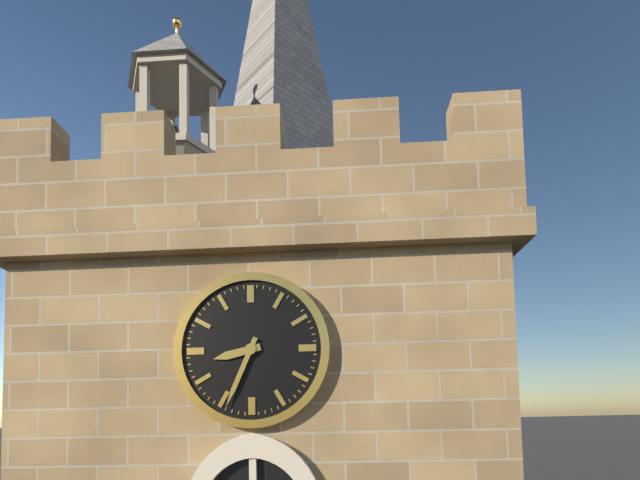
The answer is 8:34
